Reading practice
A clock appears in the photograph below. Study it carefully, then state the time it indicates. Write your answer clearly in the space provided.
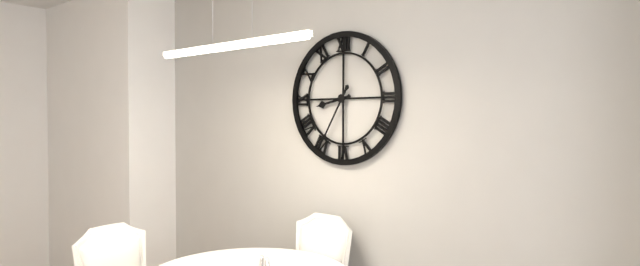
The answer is 8:35
